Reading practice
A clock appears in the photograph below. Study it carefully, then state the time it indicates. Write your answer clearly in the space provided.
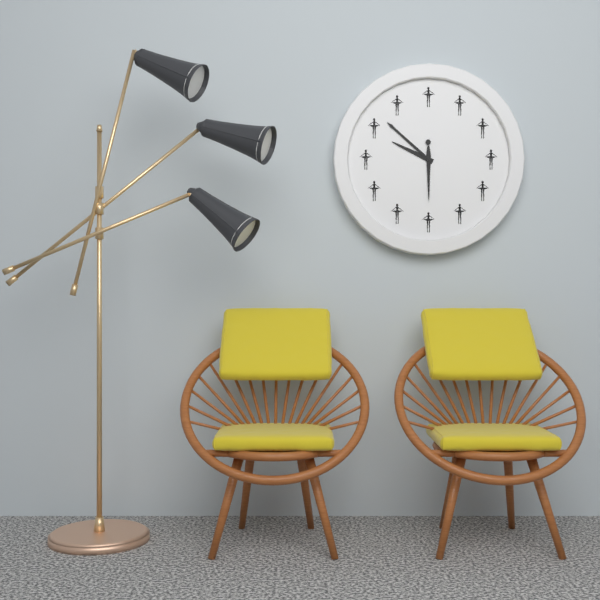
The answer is 9:52
